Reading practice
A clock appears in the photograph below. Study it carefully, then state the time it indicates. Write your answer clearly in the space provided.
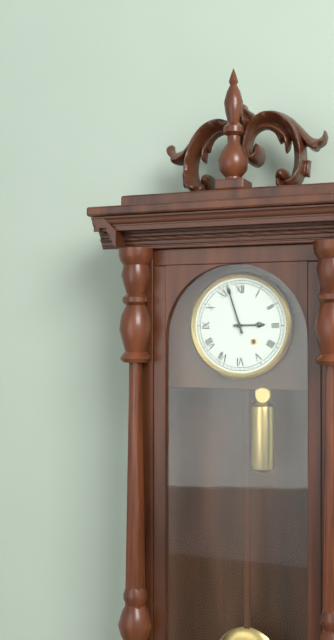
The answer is 2:57
